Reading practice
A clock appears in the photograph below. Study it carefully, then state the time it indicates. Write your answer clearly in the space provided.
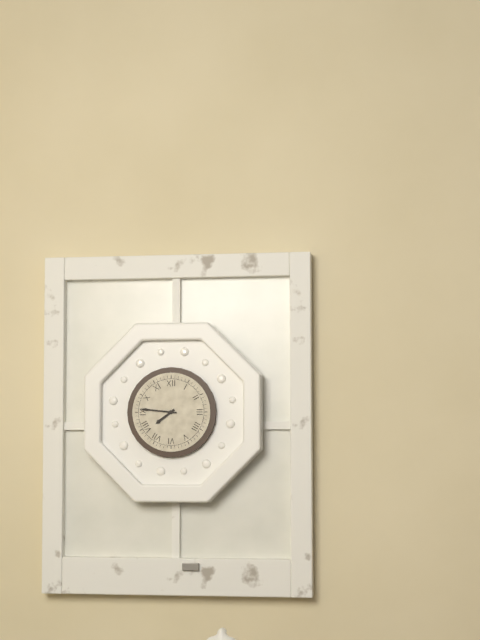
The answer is 7:46
